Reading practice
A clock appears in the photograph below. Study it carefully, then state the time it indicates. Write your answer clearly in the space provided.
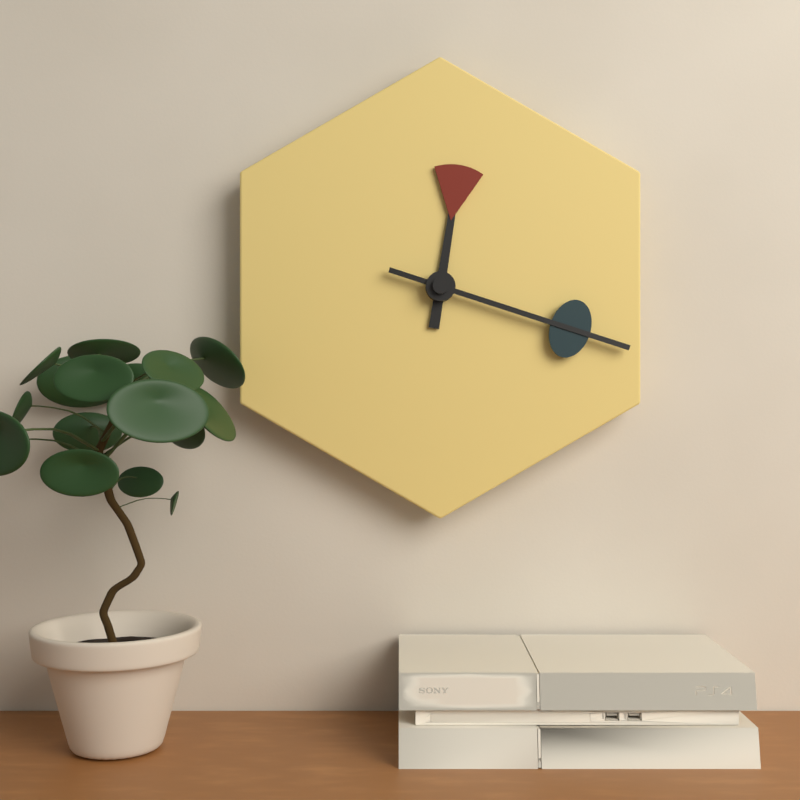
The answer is 12:18
